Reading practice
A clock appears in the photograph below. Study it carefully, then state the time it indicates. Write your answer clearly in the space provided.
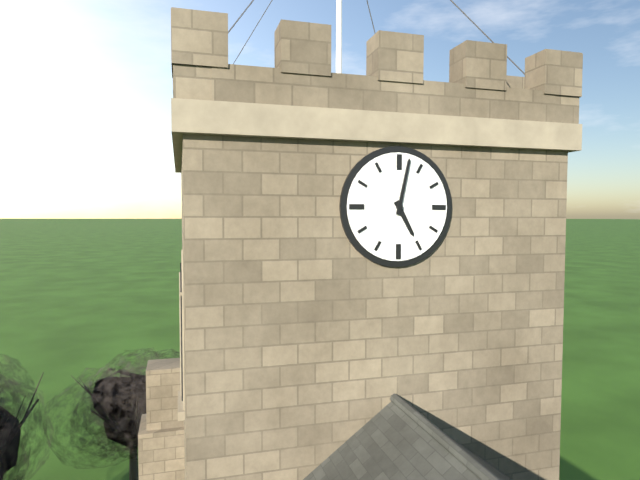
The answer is 5:02
